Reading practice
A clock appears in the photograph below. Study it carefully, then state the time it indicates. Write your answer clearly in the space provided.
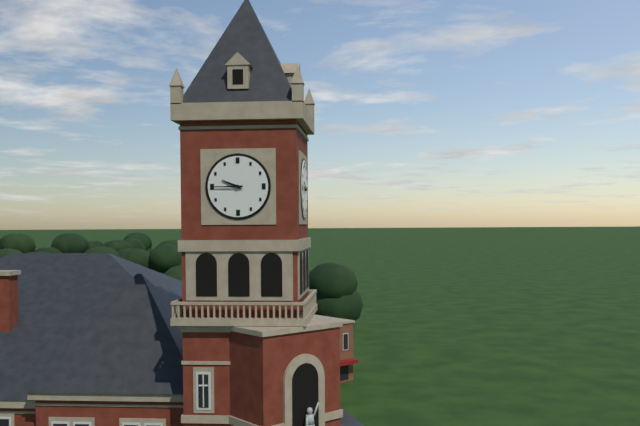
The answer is 9:45
